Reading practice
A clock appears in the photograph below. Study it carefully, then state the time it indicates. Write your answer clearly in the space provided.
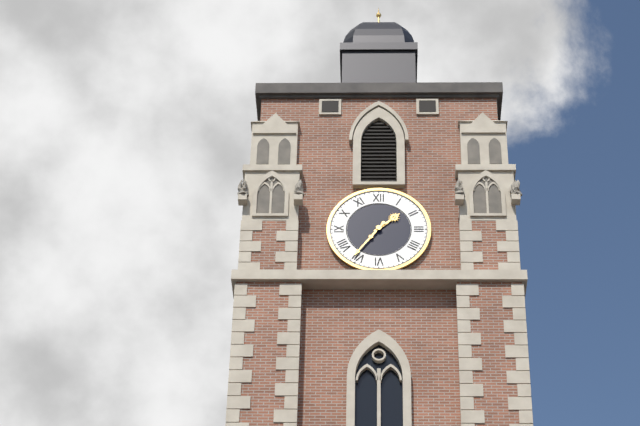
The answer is 1:36
